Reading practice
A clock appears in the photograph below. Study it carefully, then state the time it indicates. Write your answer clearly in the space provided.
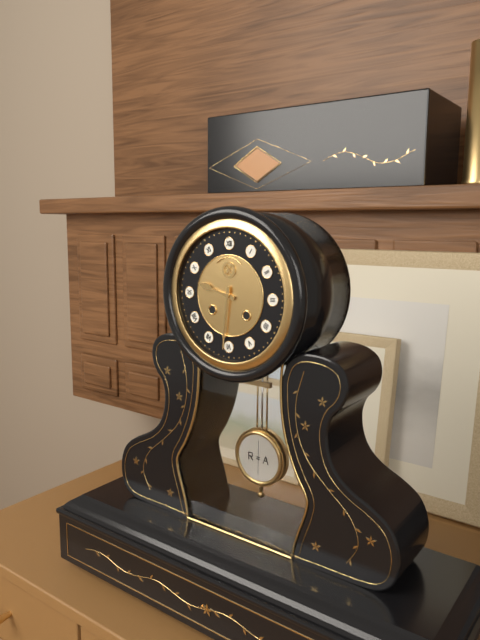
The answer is 9:31
